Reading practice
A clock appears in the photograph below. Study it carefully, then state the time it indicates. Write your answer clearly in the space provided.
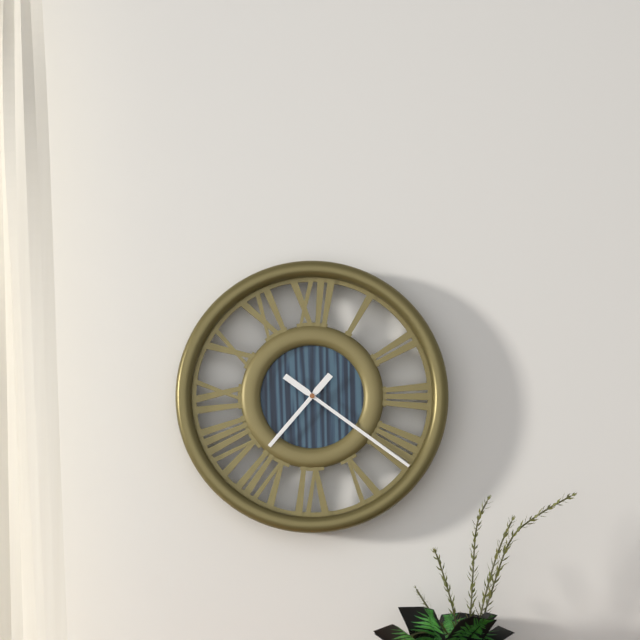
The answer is 7:21
